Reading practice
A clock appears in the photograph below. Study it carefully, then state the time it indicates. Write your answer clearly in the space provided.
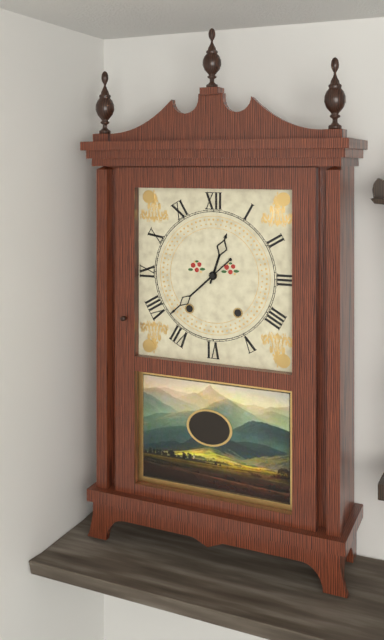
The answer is 12:38
